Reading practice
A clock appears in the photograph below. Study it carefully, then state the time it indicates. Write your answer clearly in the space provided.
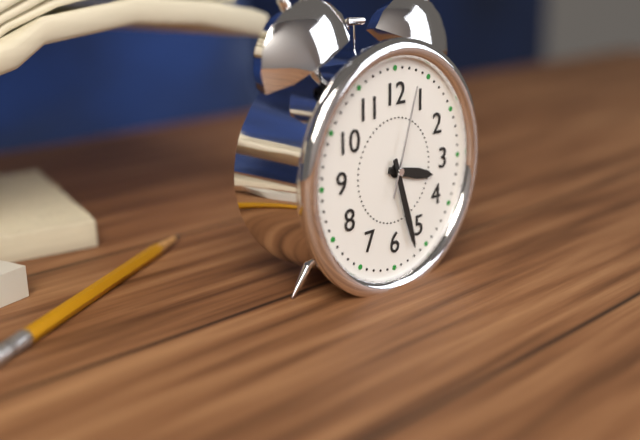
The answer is 3:27:03
